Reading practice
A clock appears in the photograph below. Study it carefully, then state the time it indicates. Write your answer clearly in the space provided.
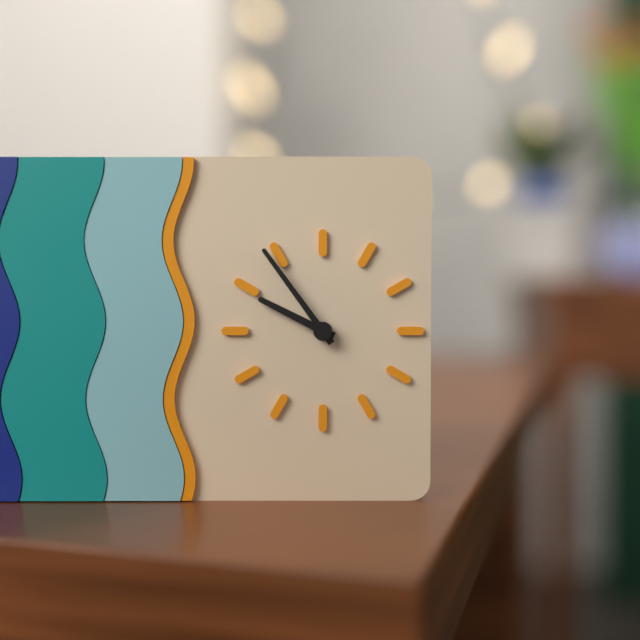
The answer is 9:54
